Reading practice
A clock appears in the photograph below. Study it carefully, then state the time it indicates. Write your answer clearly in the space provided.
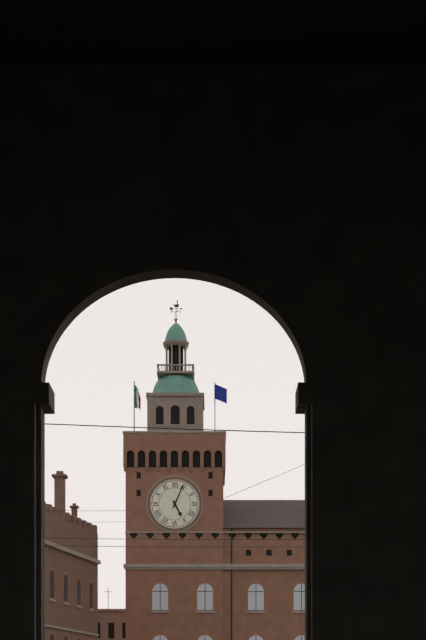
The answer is 5:04
